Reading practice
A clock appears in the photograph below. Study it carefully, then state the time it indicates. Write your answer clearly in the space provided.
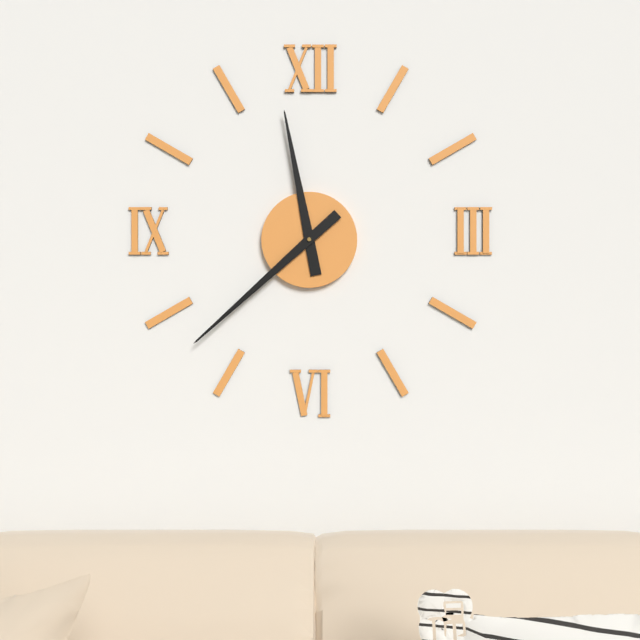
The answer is 11:38
